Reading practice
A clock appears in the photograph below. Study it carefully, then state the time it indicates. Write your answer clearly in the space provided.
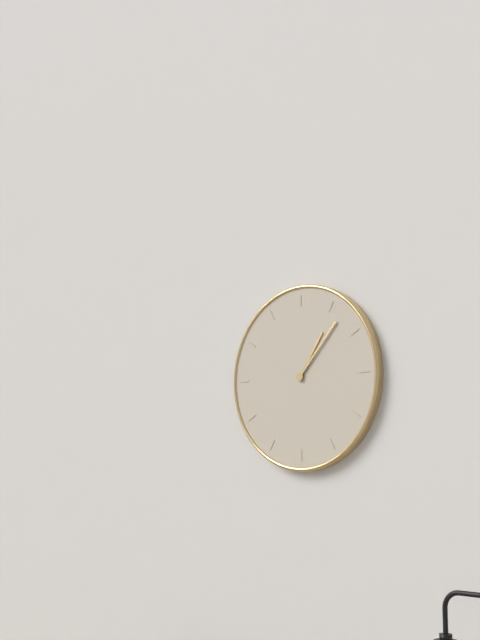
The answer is 1:07
